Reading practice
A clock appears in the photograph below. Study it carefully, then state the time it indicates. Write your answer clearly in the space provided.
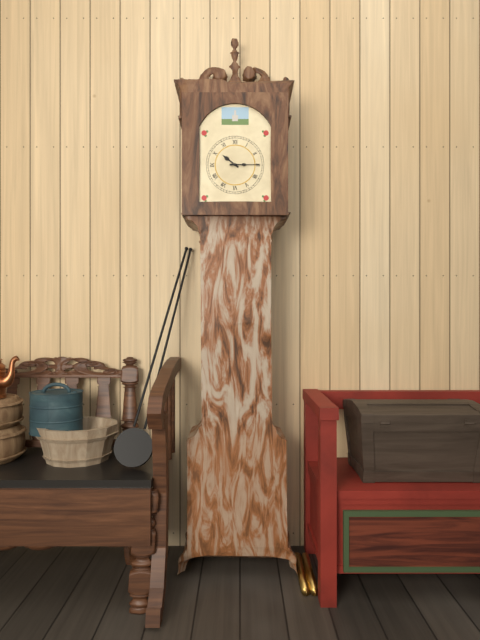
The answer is 10:15
